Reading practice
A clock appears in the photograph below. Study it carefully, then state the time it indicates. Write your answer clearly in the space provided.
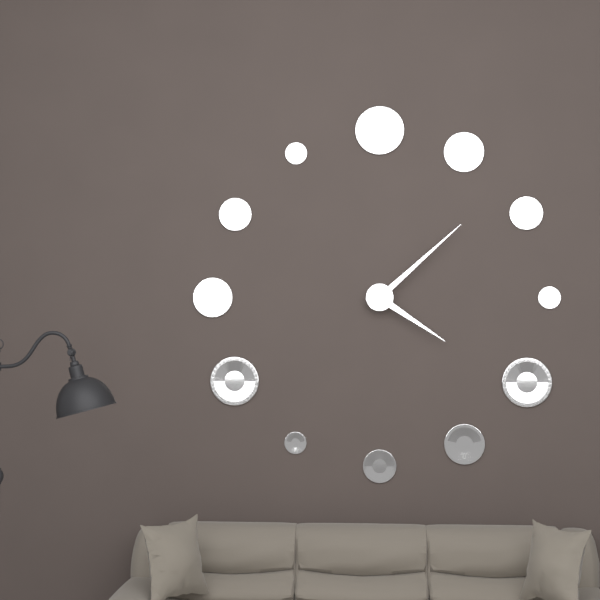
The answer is 4:08
